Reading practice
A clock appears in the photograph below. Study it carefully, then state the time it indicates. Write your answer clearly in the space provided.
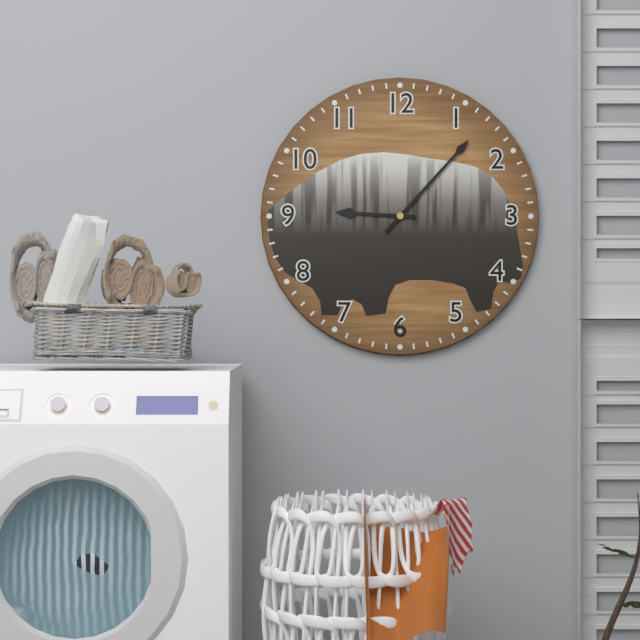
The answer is 9:07
